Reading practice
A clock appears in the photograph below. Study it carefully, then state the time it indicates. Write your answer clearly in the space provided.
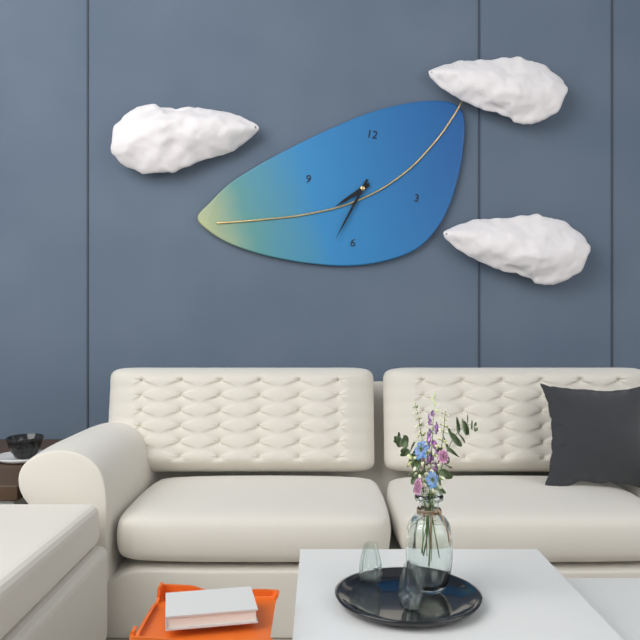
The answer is 7:33
